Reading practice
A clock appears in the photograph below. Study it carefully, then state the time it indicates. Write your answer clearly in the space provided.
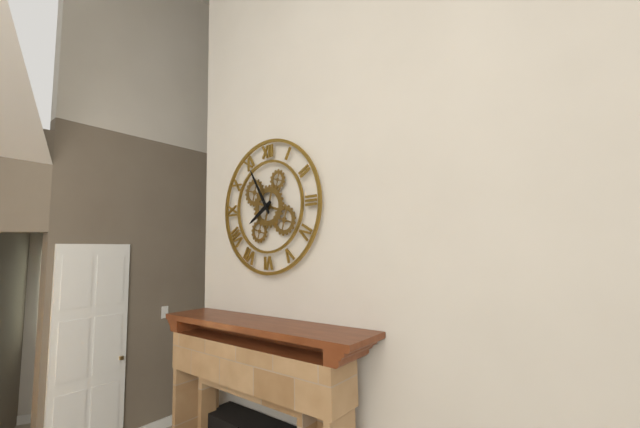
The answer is 7:55
